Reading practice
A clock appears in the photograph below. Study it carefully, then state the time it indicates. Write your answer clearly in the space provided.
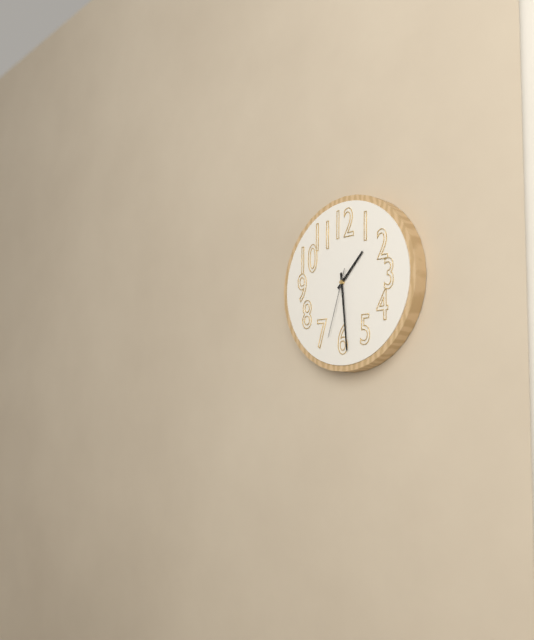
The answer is 1:29:33
